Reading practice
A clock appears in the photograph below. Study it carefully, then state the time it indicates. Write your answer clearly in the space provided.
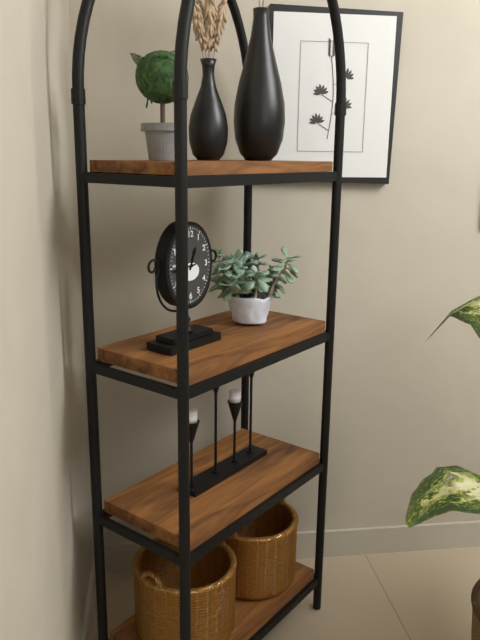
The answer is 12:44
